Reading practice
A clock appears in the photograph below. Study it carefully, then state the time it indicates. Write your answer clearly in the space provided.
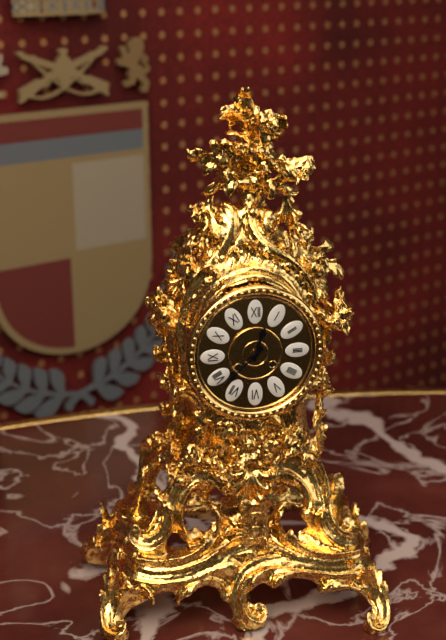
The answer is 12:38
